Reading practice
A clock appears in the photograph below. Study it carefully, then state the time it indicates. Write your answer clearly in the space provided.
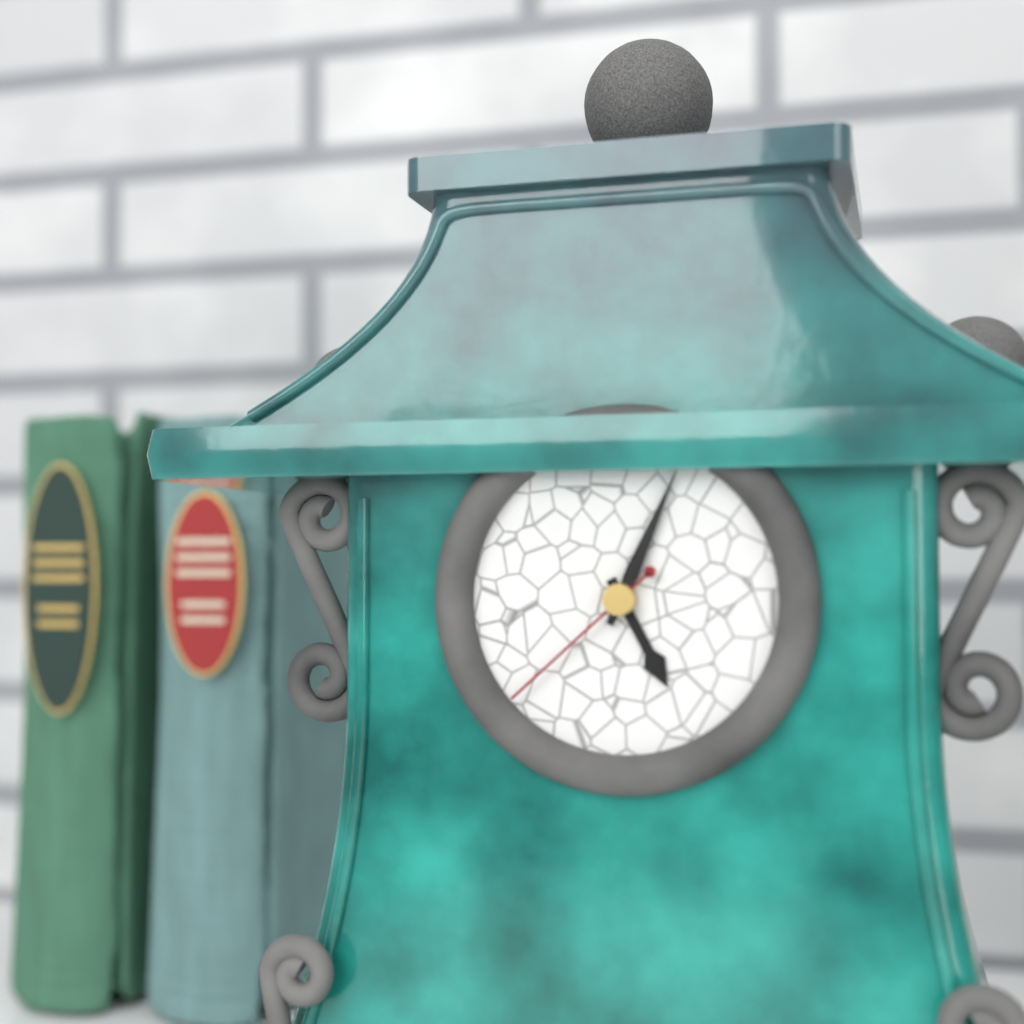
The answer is 5:04:38
